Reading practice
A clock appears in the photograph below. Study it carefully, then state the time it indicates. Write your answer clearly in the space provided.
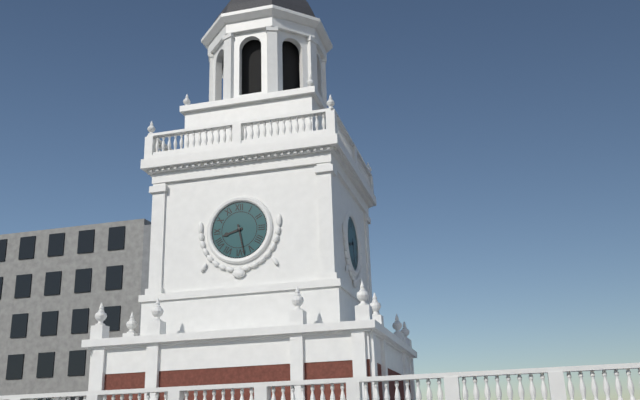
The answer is 8:28
